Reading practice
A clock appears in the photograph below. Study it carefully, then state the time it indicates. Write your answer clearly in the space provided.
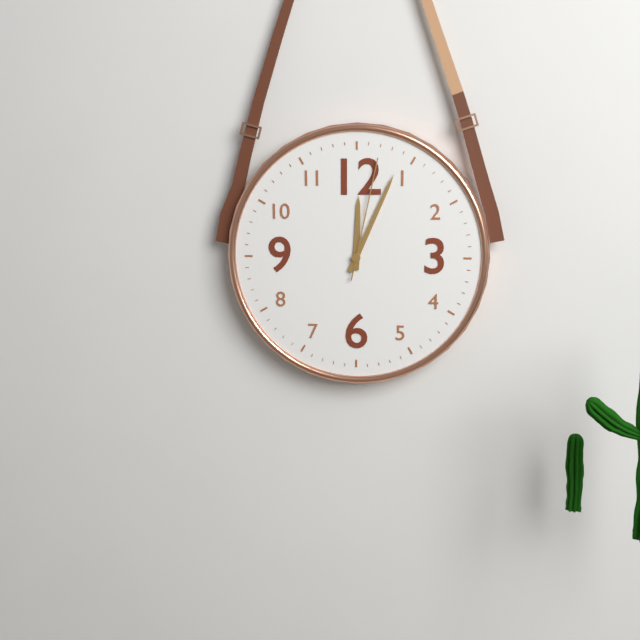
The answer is 12:04:02
